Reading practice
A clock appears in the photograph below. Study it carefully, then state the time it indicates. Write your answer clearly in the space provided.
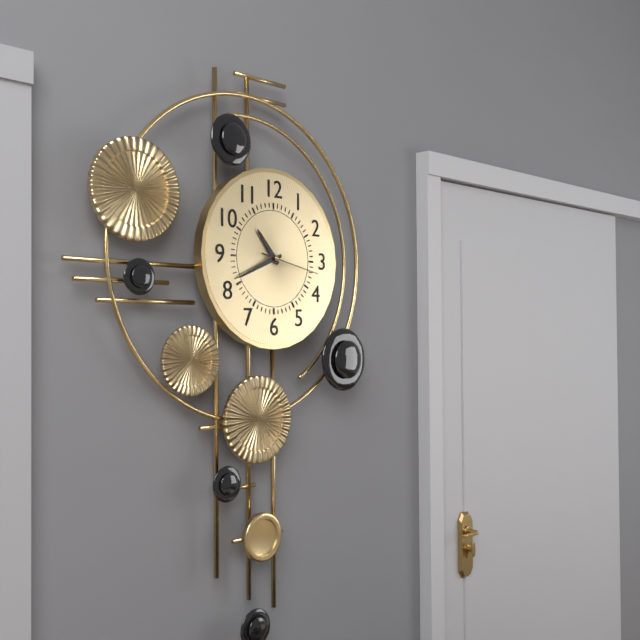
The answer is 10:41:17
